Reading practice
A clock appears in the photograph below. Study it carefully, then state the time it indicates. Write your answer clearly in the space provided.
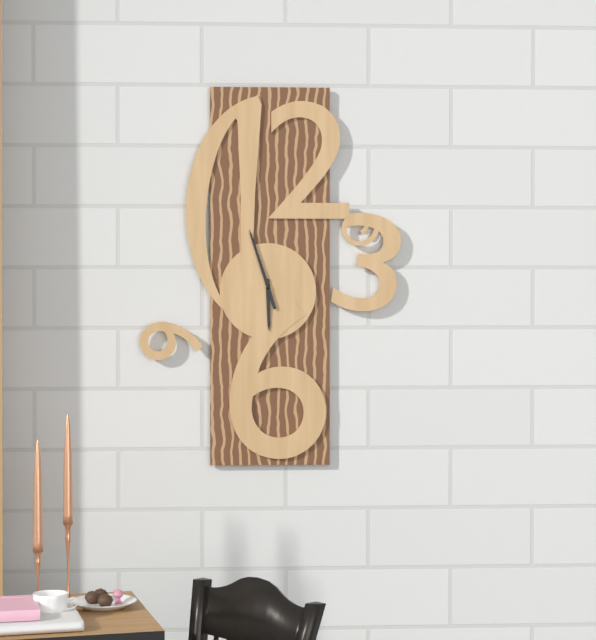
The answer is 5:57
